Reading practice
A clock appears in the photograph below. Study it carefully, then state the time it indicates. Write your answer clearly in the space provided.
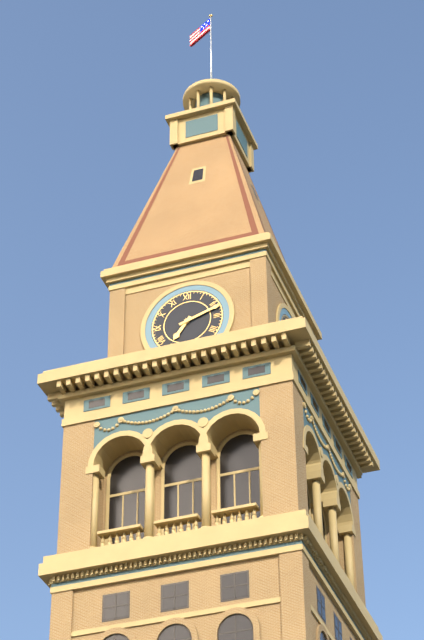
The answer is 7:12
